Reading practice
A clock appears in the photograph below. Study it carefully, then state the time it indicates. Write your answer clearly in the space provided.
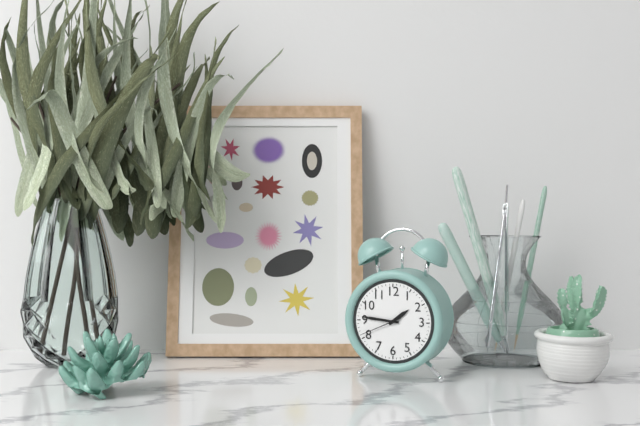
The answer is 1:46
